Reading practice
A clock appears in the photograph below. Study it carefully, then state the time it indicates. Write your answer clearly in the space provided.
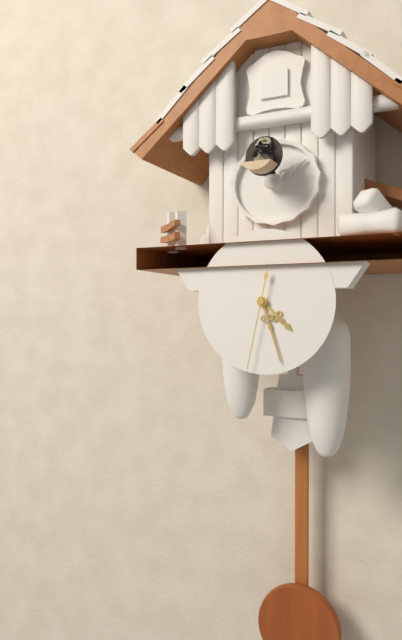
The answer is 4:27:32
